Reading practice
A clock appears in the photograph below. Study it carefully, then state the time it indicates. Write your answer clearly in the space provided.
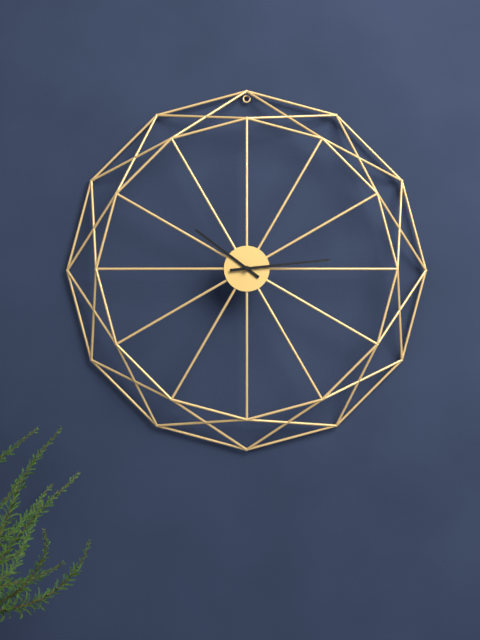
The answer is 10:14
